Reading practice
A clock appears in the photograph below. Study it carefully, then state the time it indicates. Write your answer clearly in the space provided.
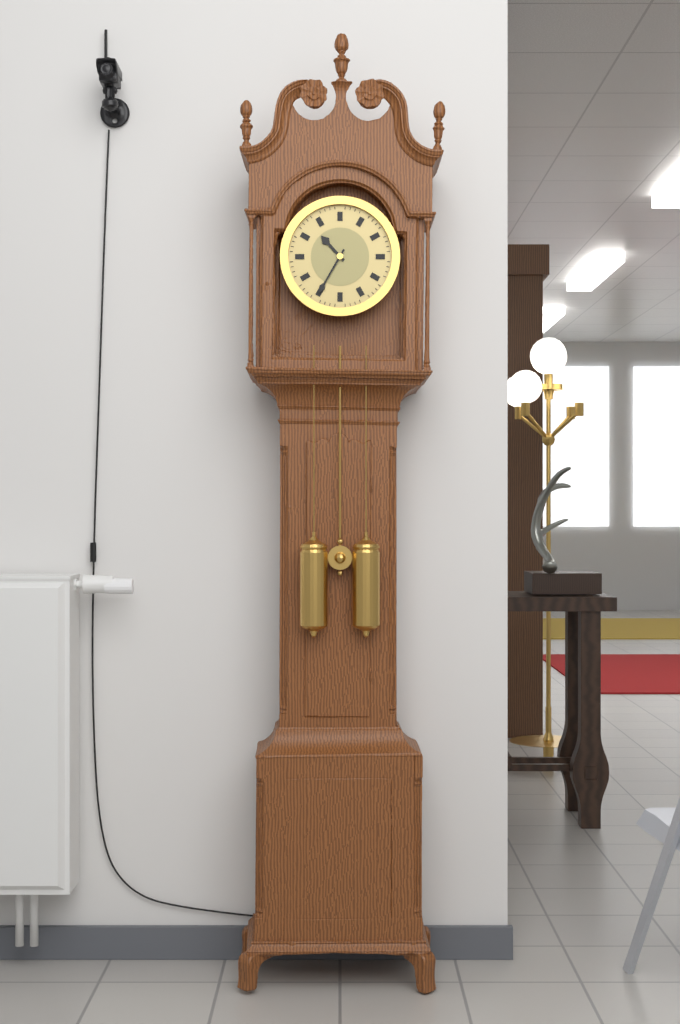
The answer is 10:35
